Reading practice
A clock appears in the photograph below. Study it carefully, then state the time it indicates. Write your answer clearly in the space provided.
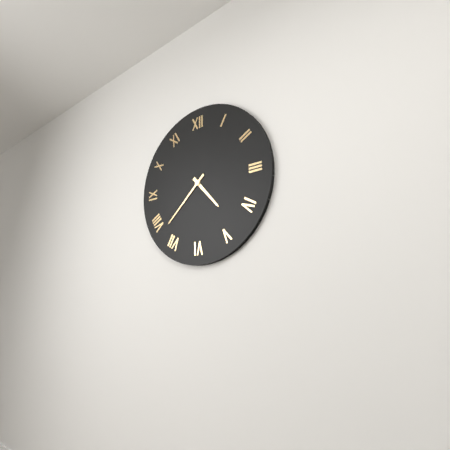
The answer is 4:38
